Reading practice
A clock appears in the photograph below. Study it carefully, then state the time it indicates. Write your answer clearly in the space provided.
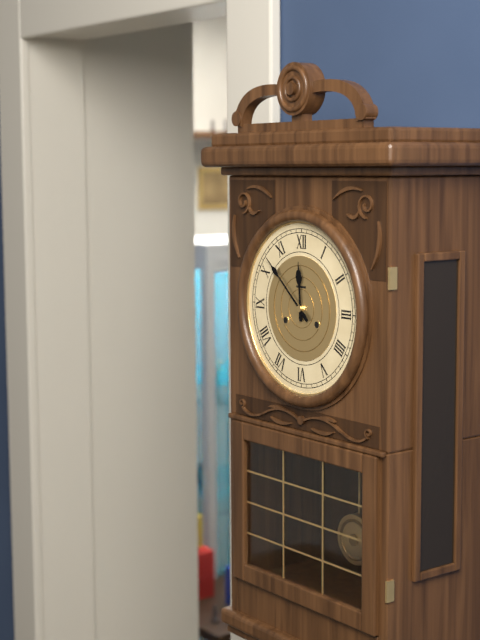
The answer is 11:52
